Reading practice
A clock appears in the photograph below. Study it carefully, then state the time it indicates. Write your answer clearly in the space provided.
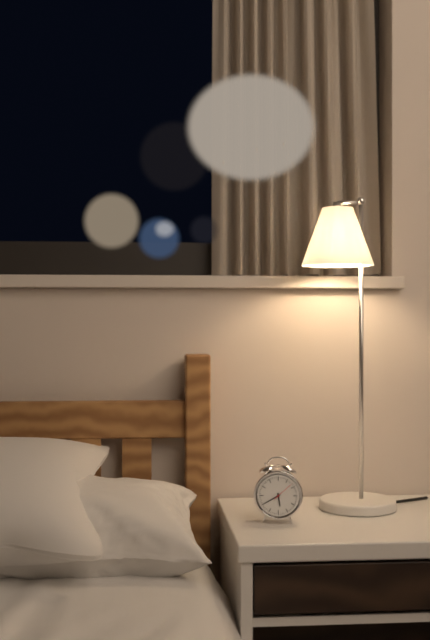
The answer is 5:40
